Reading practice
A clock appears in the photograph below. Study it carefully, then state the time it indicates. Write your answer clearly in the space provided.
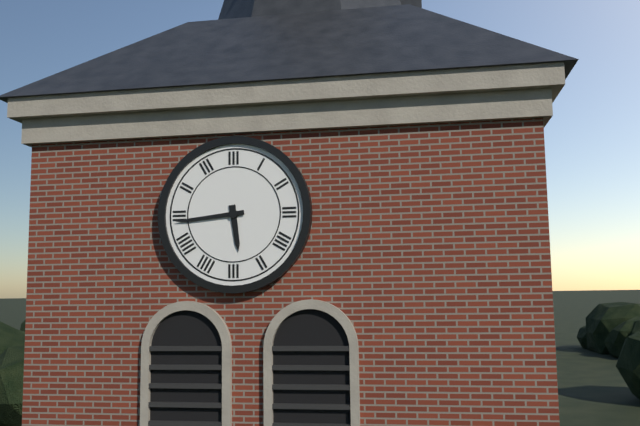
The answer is 5:44
